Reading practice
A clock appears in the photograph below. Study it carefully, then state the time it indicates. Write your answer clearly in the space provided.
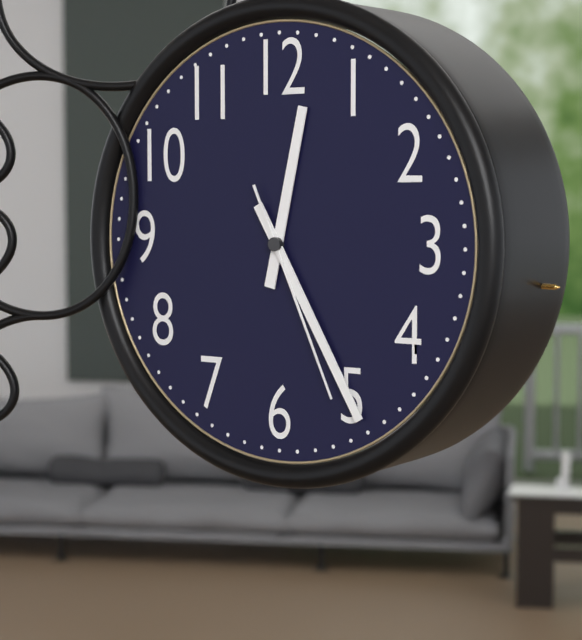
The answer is 12:25:26
